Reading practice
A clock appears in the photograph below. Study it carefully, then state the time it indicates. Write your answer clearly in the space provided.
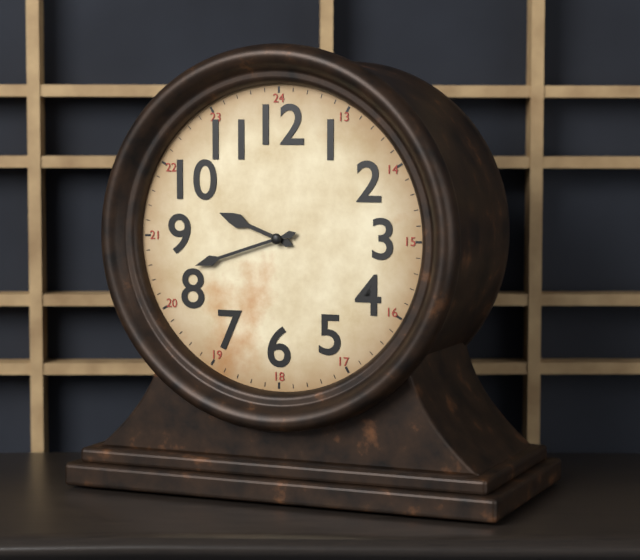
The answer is 9:42
